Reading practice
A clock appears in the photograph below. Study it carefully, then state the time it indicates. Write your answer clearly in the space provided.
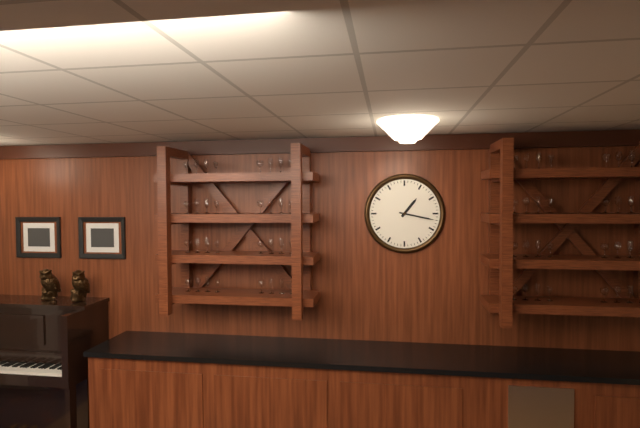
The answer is 1:17
